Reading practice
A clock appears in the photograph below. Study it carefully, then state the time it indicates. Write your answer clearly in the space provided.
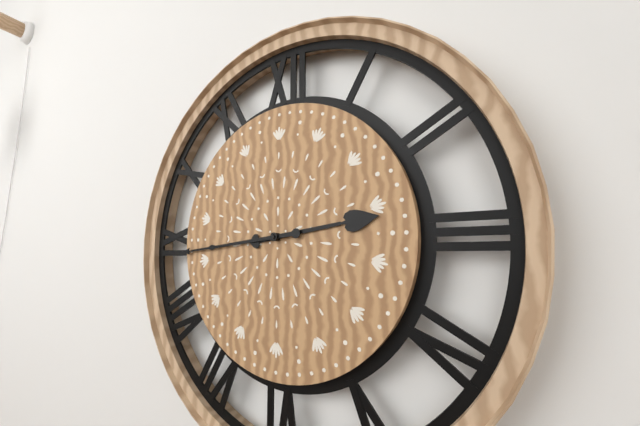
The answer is 2:44
